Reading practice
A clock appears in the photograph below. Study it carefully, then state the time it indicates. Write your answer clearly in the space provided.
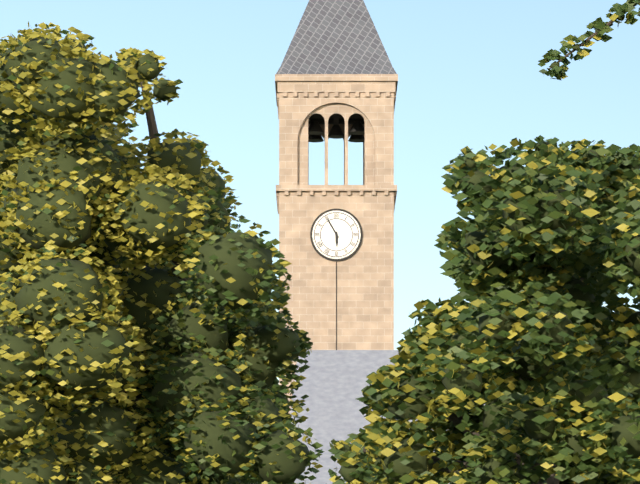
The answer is 5:55
